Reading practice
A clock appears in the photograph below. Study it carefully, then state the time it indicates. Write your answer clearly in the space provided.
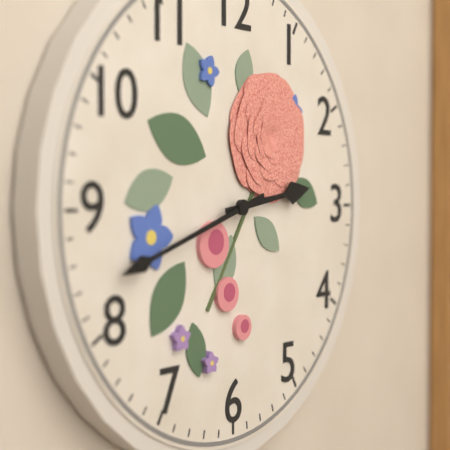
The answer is 2:42
